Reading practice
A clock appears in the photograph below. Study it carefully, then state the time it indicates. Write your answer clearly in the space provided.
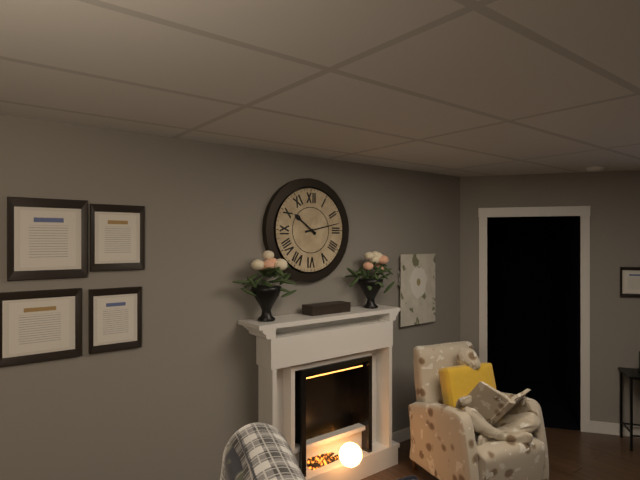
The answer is 10:13
